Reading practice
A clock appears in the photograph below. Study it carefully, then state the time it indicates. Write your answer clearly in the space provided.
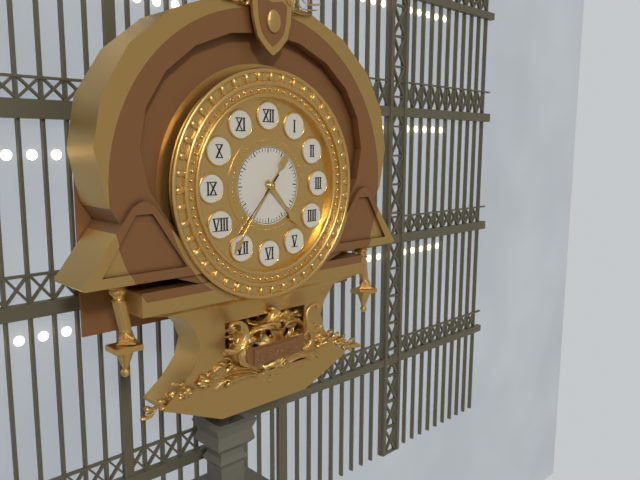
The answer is 4:36:37
